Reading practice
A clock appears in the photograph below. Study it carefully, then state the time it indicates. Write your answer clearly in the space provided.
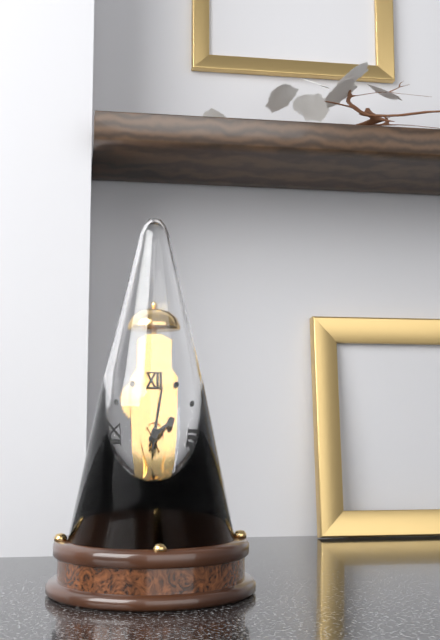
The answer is 2:02
